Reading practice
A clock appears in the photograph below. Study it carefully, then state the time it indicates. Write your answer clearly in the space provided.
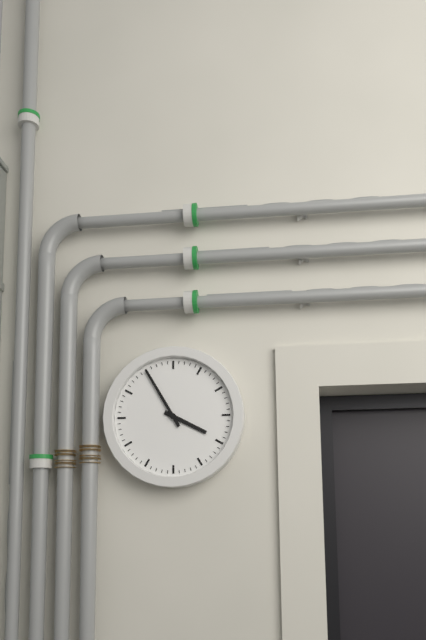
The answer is 3:55
